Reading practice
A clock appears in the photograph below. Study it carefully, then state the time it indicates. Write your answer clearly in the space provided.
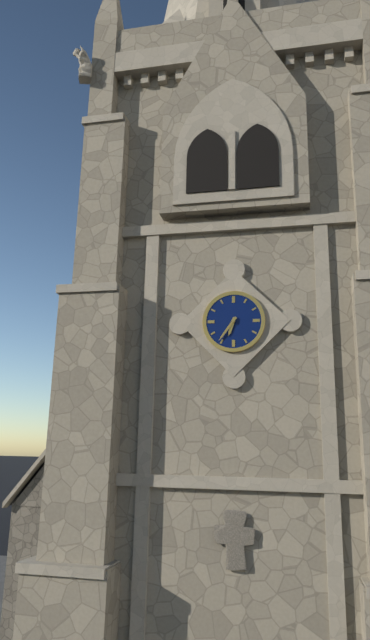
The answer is 6:36
